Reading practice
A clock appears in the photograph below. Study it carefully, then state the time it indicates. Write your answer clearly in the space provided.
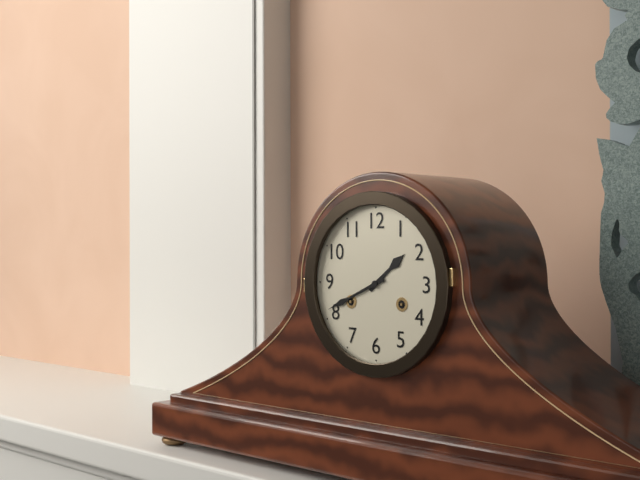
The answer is 1:41
